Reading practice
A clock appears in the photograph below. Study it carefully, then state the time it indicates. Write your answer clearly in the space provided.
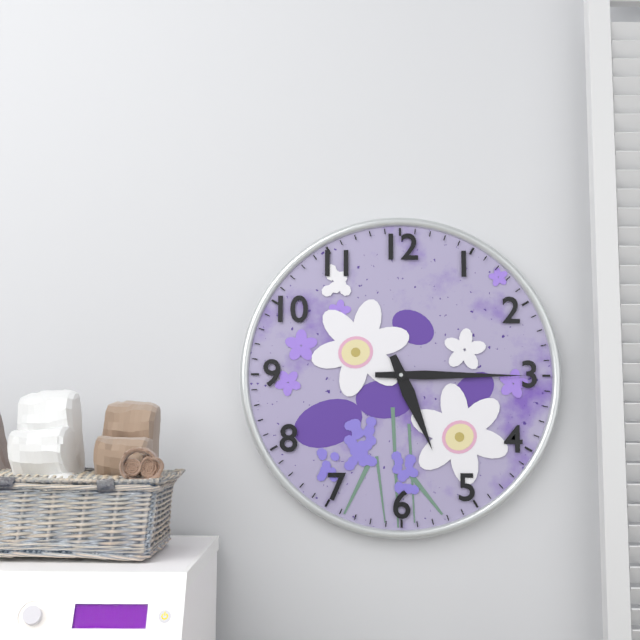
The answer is 5:15
